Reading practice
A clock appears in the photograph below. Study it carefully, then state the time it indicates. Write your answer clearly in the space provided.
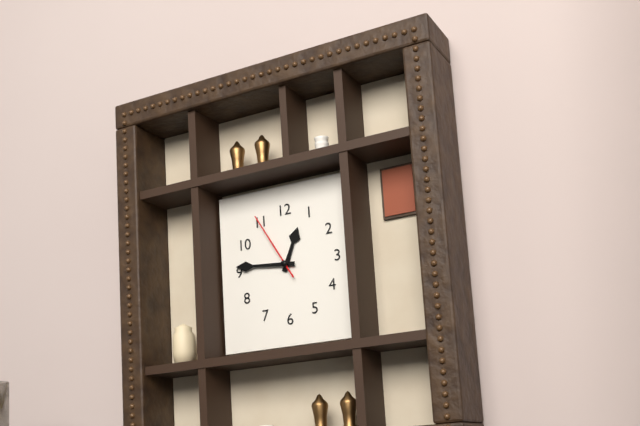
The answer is 12:46:55
